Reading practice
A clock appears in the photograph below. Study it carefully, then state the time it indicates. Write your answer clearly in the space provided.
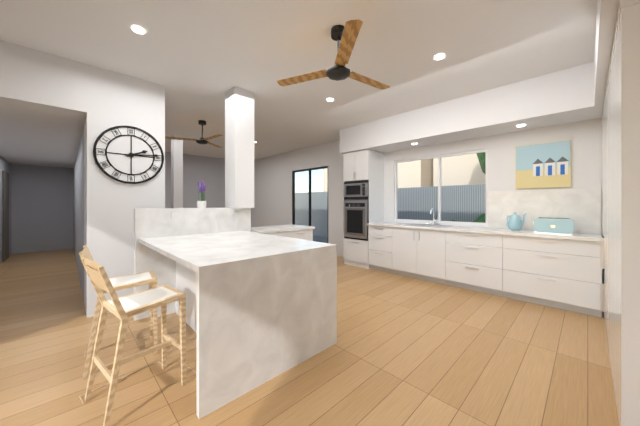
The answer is 2:14
